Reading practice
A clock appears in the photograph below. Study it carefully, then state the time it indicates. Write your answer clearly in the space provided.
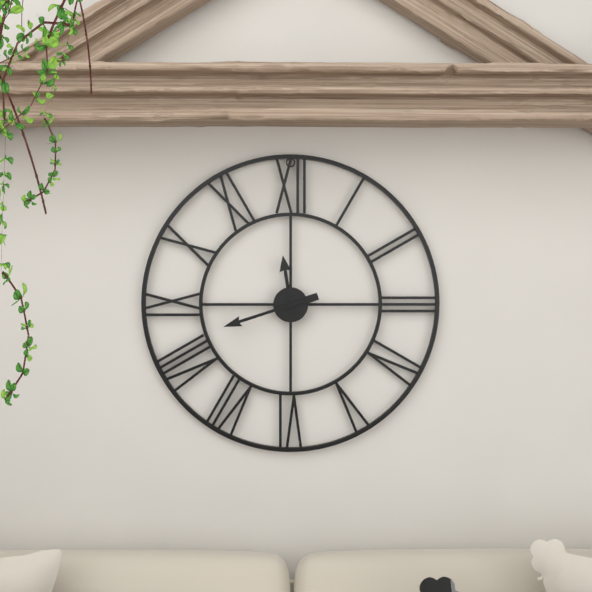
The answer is 11:42
